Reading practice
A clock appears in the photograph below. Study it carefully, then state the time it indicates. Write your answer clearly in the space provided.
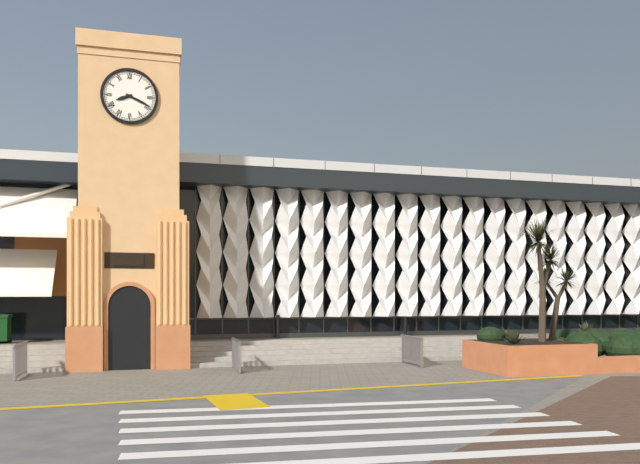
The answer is 8:19
